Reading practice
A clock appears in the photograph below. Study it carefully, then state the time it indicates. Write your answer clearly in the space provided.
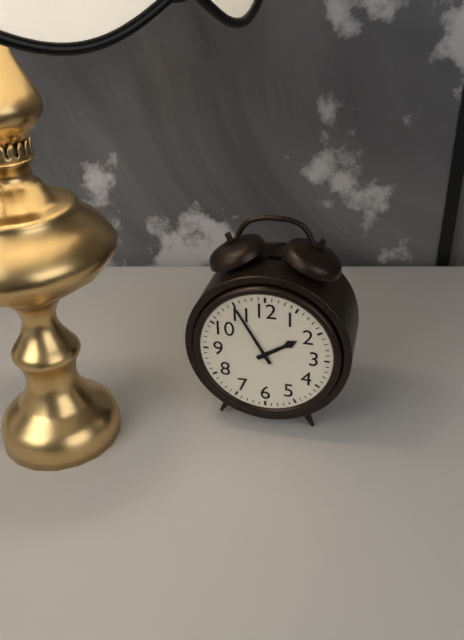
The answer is 1:55
